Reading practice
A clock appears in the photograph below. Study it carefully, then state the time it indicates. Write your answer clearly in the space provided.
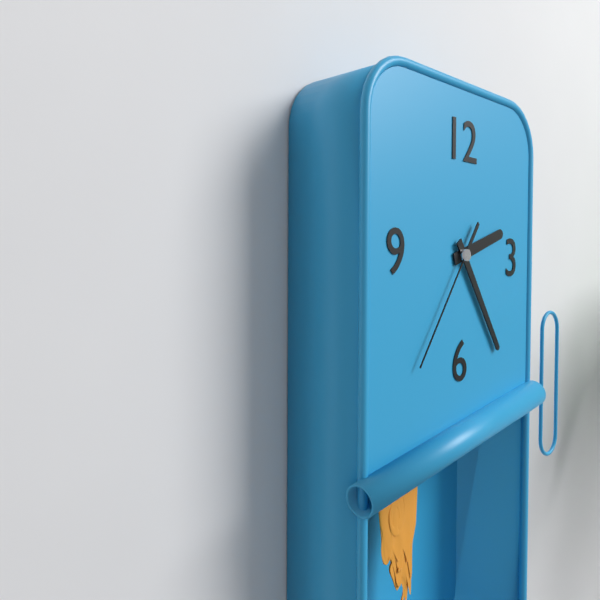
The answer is 2:24:36
